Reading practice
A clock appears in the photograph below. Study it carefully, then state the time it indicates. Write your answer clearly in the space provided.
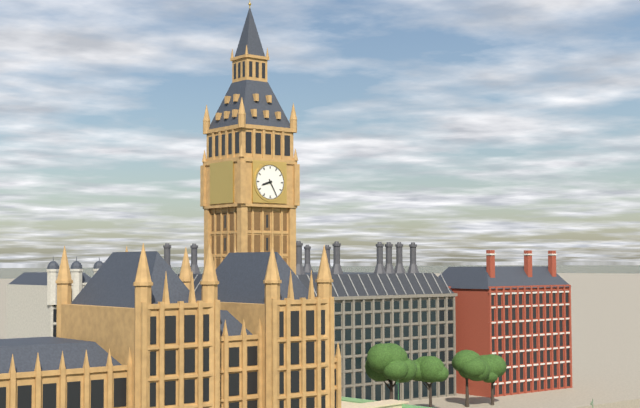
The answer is 8:25
